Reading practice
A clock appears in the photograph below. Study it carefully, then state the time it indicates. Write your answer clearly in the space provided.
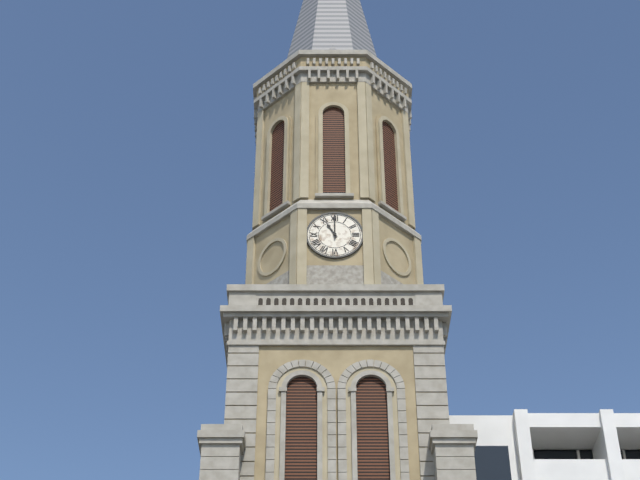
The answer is 11:00
